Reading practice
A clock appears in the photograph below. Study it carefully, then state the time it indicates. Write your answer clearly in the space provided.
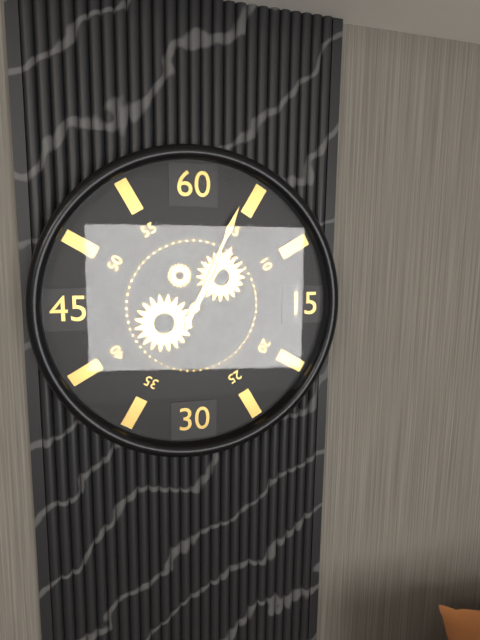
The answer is 1:04
